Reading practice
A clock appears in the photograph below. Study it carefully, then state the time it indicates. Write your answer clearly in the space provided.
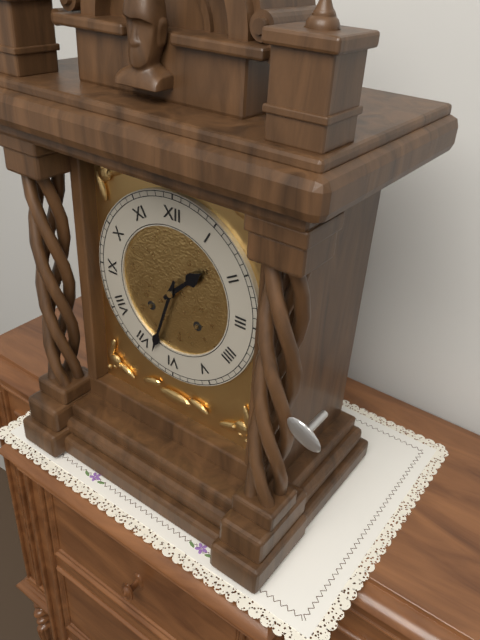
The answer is 1:33
